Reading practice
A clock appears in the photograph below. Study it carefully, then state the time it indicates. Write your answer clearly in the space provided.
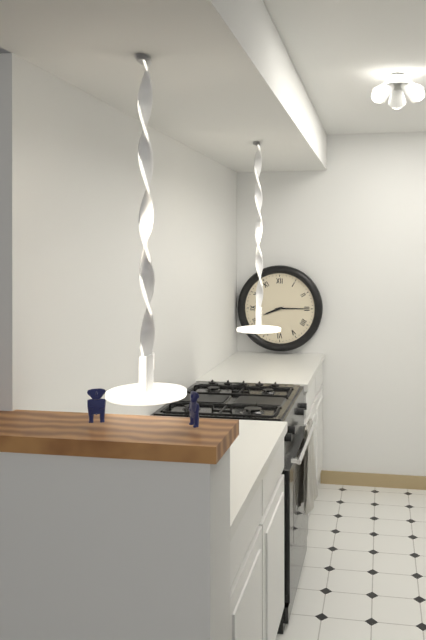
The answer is 8:15
